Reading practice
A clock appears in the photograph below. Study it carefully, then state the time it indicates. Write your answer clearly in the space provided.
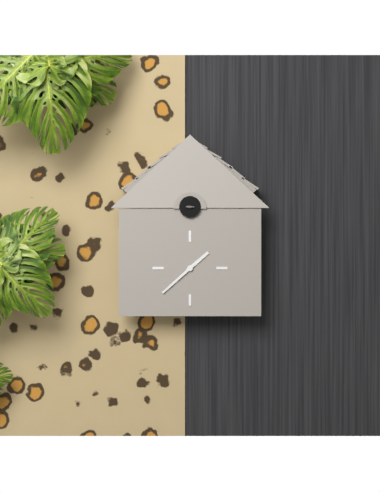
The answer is 1:38
